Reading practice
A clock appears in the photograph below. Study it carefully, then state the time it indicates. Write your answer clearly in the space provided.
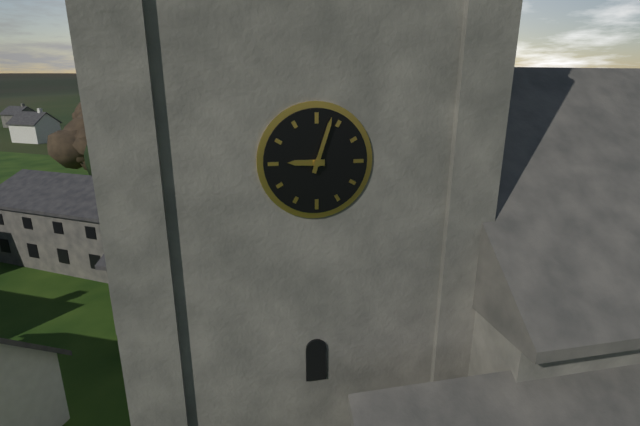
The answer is 9:03
